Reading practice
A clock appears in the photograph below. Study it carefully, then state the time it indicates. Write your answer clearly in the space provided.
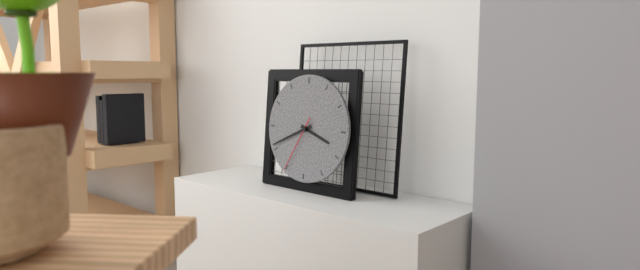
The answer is 3:41:35
